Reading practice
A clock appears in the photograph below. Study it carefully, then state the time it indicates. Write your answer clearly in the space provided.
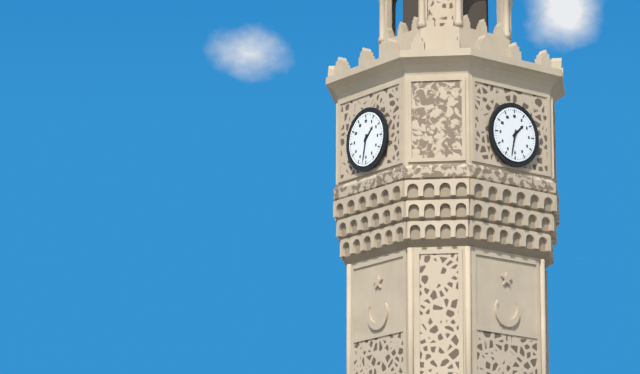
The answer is 1:32
